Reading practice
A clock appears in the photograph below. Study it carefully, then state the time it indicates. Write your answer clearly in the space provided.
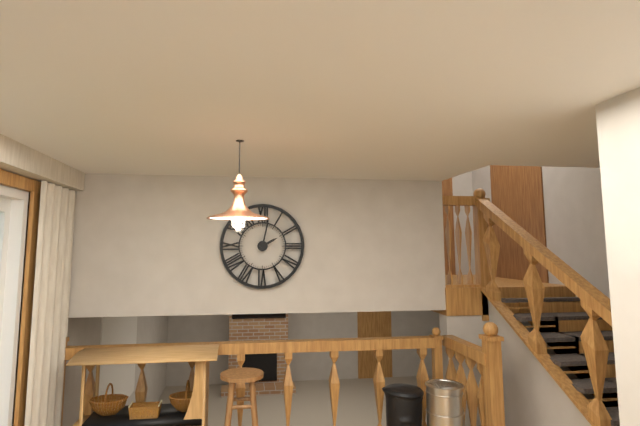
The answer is 2:02
